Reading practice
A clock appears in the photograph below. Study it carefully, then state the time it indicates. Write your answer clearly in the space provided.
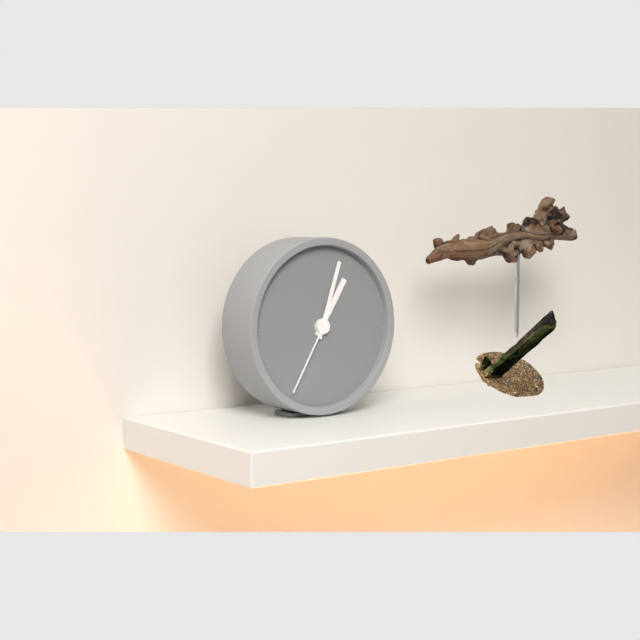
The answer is 1:03:35
